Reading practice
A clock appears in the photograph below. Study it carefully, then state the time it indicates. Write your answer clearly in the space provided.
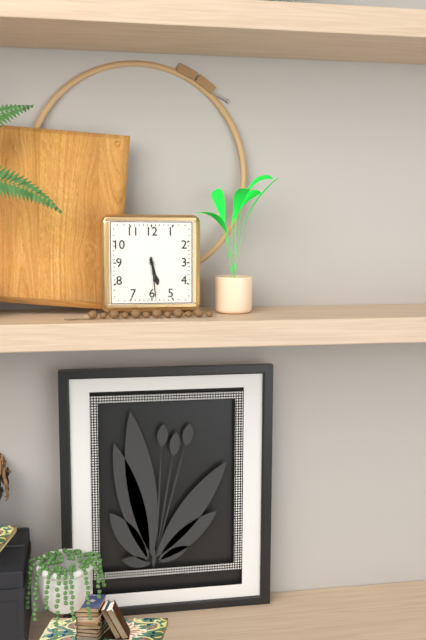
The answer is 5:29
